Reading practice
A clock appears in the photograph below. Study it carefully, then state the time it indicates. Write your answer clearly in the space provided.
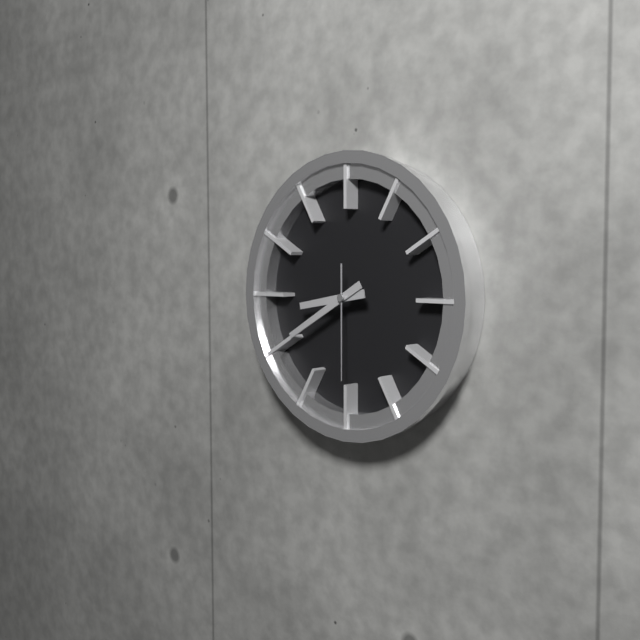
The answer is 8:40:30
